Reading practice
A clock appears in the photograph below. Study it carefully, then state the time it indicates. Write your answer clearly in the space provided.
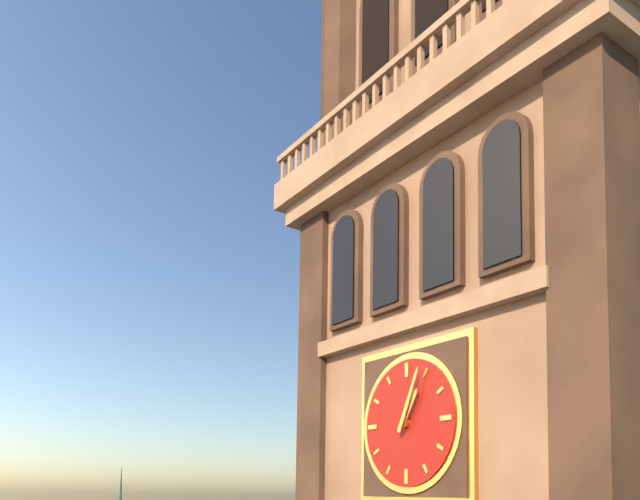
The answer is 1:04
